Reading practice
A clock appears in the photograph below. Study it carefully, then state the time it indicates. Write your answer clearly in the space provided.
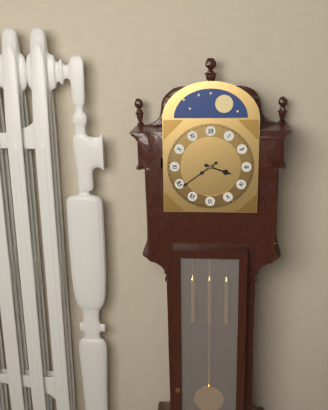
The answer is 3:39
